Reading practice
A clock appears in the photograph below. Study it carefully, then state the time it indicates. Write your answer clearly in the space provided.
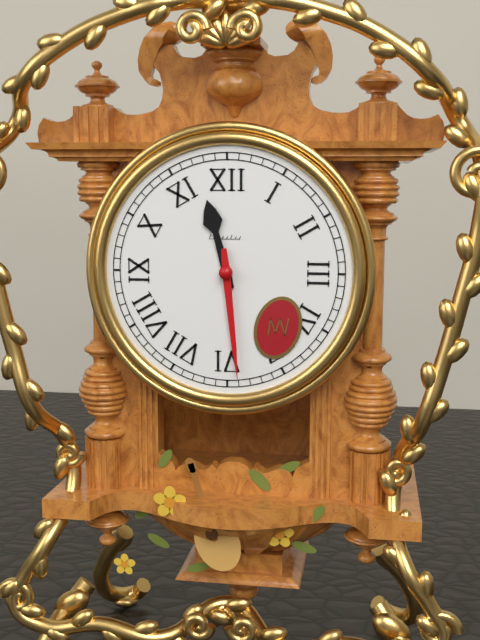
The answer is 11:29
